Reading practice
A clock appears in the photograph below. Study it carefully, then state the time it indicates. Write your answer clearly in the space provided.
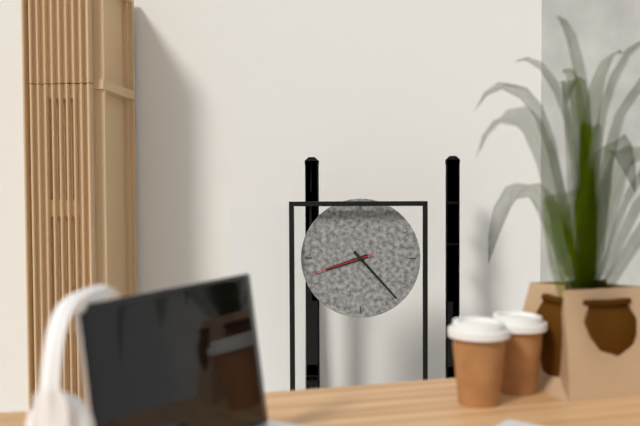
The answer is 8:23:42
